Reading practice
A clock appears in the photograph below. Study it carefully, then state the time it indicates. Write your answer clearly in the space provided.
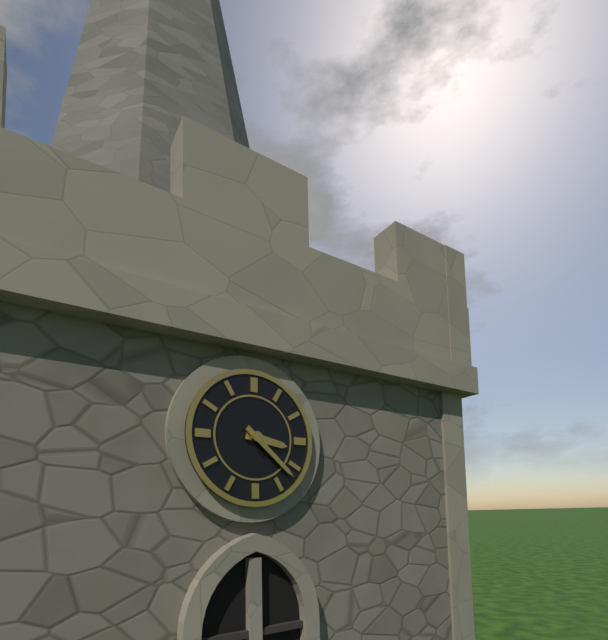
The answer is 3:22
